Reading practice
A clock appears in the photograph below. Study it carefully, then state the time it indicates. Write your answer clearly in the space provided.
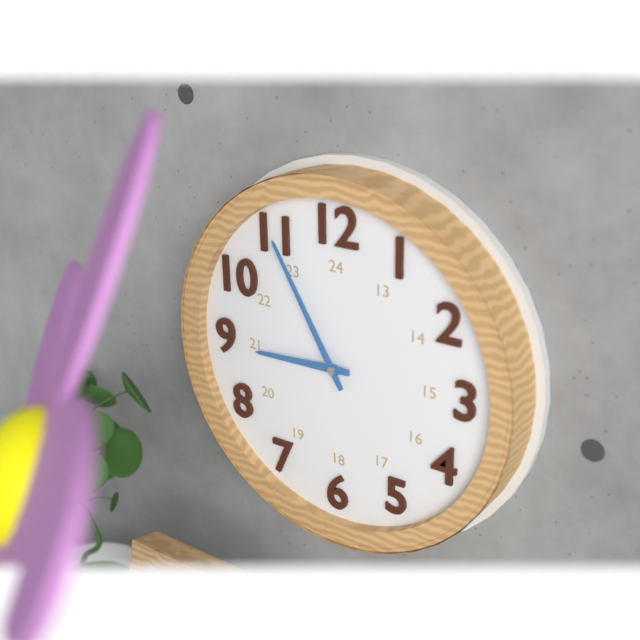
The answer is 8:55
